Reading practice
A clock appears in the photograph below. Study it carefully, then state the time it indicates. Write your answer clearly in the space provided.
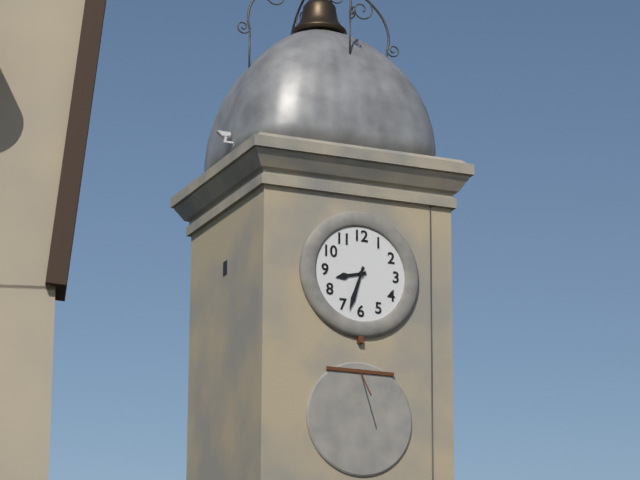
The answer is 8:33
